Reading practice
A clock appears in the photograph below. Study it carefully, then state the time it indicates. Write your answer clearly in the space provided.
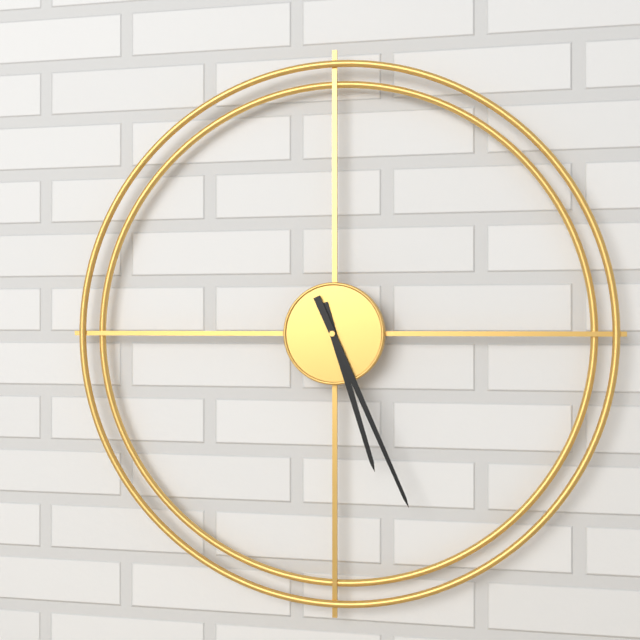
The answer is 5:26
